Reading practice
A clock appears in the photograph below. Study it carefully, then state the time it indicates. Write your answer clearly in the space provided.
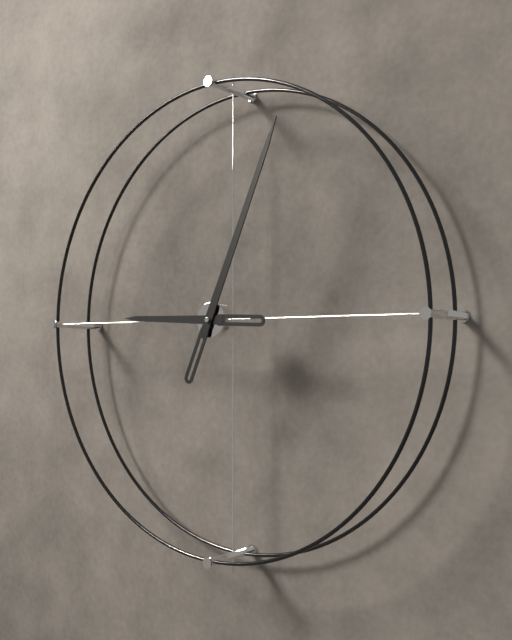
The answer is 9:04
